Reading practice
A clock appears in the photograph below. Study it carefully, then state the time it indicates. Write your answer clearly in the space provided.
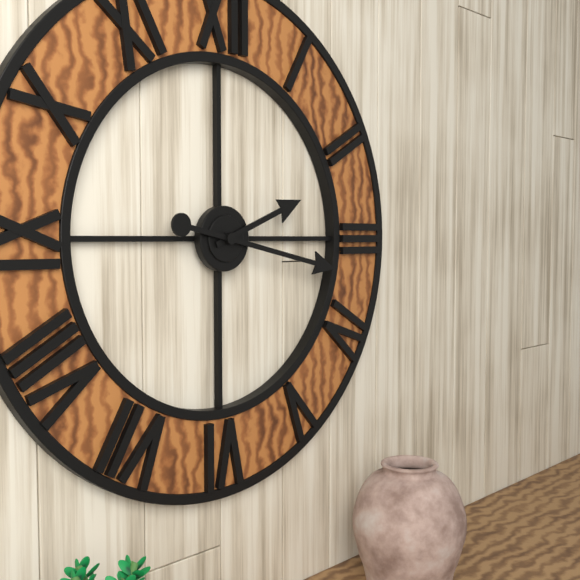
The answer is 2:17
